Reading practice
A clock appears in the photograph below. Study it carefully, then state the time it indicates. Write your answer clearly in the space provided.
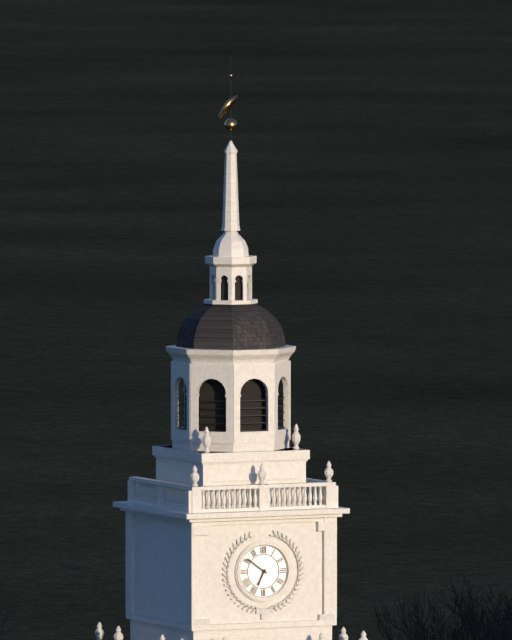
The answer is 6:51
